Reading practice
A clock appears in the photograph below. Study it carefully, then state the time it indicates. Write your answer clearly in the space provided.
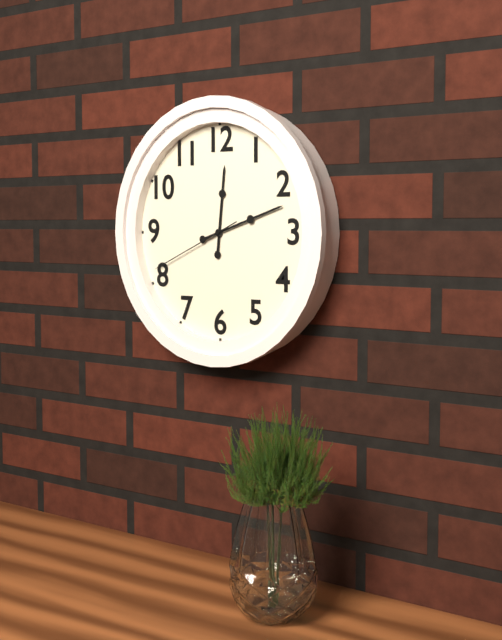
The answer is 12:12:41
